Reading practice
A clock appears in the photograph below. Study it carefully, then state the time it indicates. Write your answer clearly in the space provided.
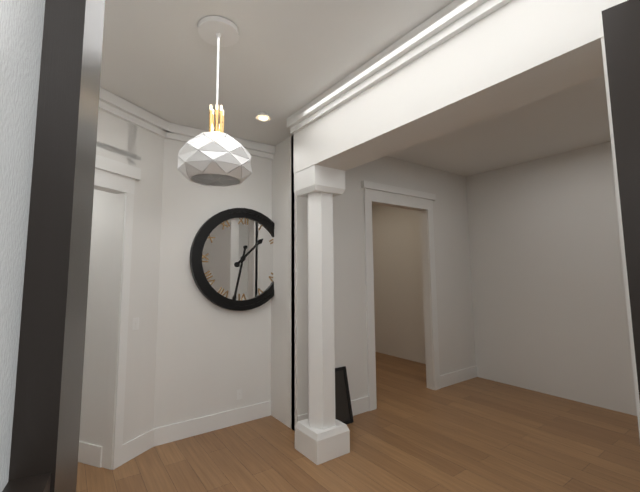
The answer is 1:32
